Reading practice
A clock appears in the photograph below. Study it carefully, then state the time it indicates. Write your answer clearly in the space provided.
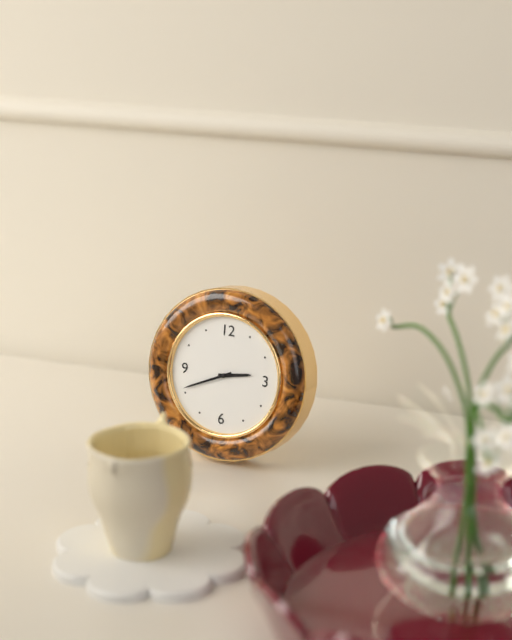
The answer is 2:41
